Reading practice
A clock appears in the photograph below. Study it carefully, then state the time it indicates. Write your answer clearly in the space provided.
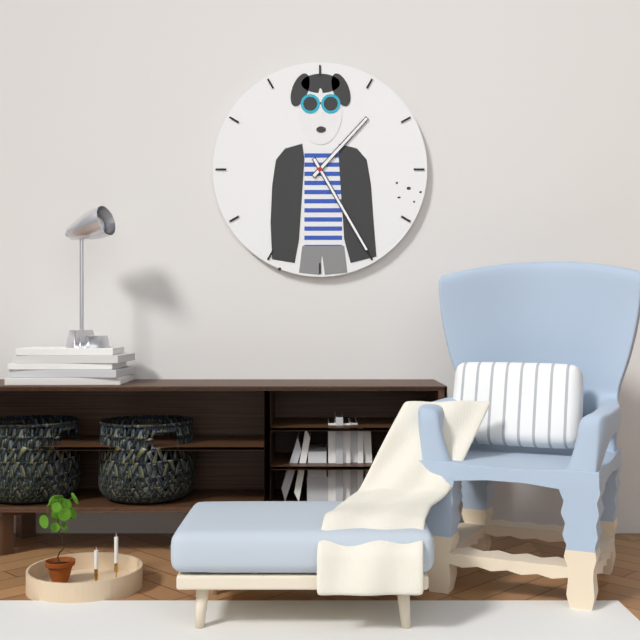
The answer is 1:25
